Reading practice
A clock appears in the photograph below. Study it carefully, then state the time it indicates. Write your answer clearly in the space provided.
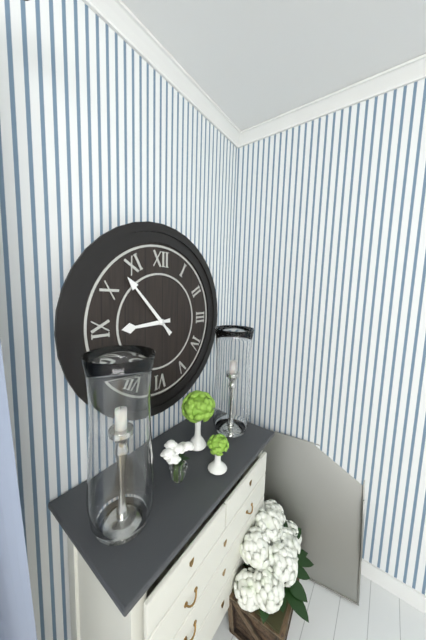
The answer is 8:53
